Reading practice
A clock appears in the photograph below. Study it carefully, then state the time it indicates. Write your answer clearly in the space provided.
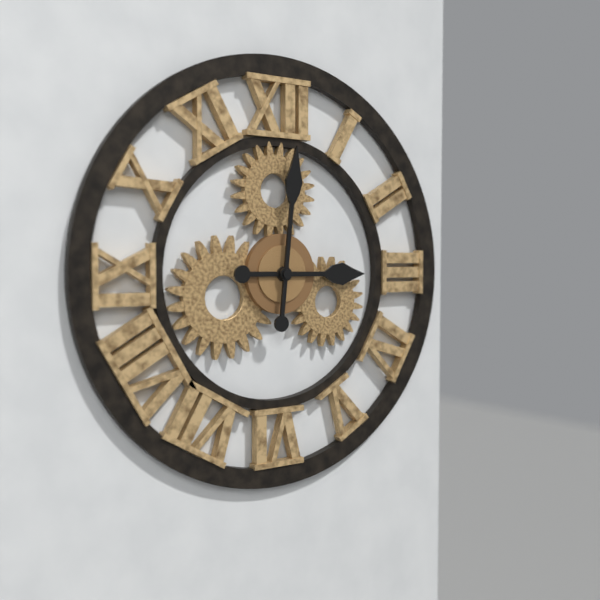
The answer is 3:01
